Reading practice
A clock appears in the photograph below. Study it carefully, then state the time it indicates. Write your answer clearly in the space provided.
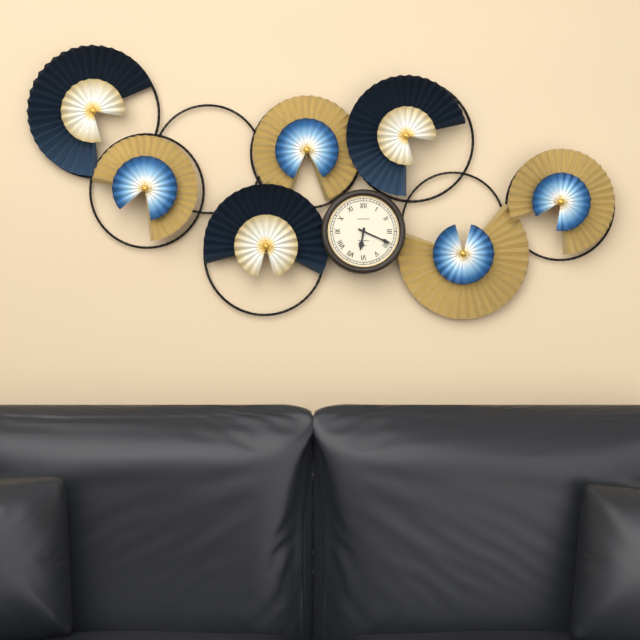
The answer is 6:19
